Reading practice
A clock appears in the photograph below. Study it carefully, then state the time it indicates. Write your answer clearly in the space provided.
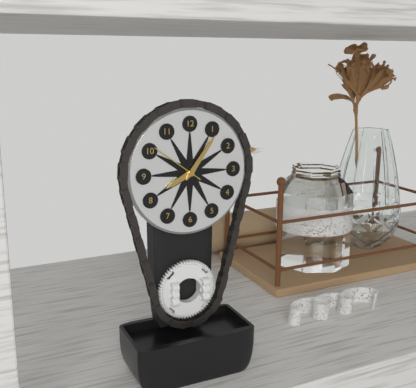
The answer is 8:06:51
